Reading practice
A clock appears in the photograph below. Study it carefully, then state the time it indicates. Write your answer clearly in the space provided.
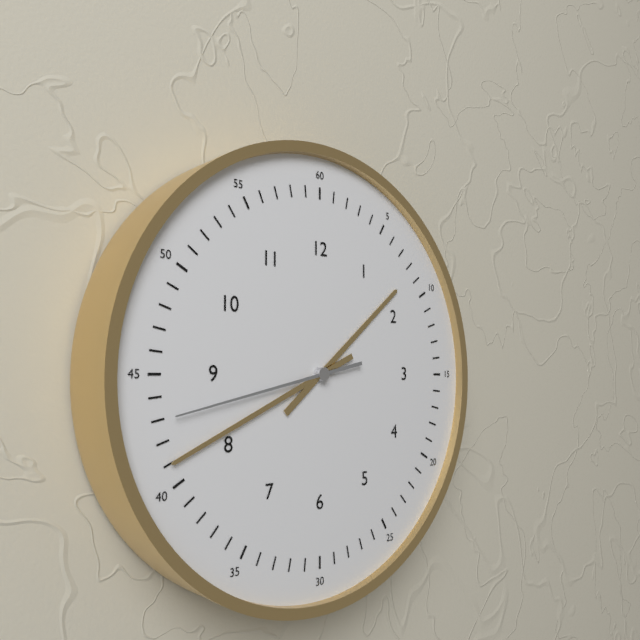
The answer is 1:41:43
